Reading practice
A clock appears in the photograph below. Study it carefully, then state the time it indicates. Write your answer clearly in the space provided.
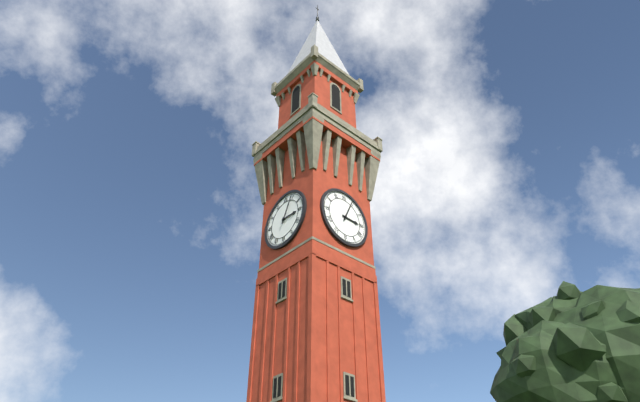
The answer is 3:04
